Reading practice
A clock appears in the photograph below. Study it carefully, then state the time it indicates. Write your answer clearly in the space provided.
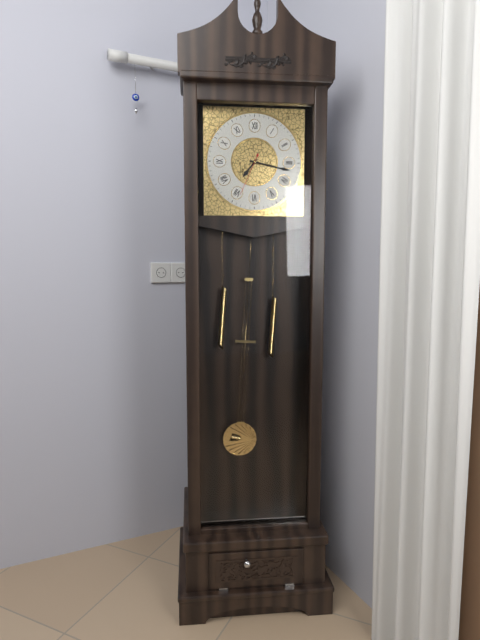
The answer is 7:17
